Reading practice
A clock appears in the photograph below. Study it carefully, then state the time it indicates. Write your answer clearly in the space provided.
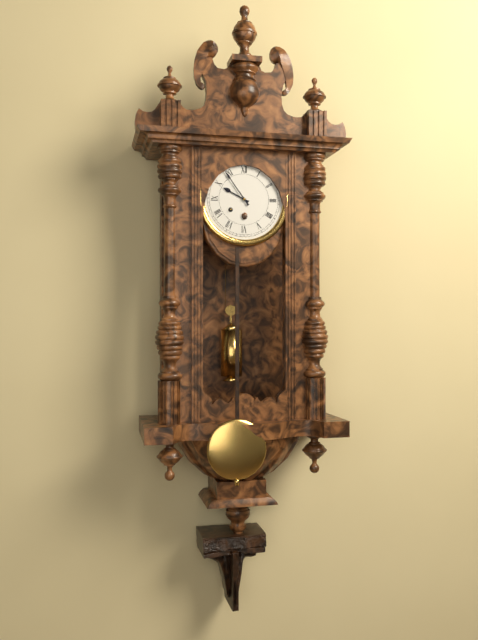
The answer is 9:54
